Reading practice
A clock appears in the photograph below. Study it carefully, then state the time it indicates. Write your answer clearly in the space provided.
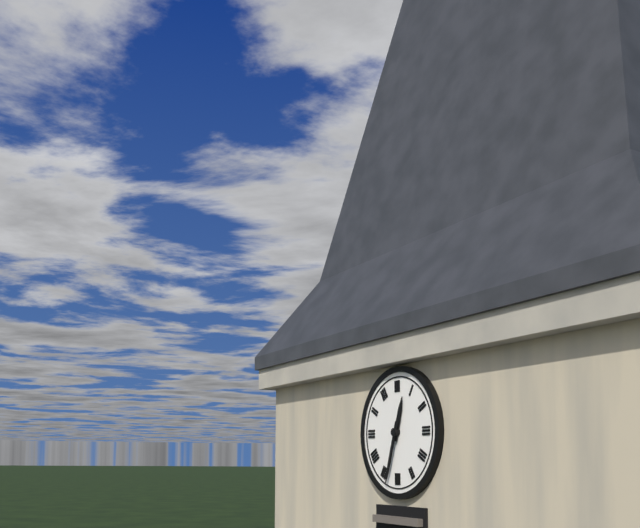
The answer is 12:33
